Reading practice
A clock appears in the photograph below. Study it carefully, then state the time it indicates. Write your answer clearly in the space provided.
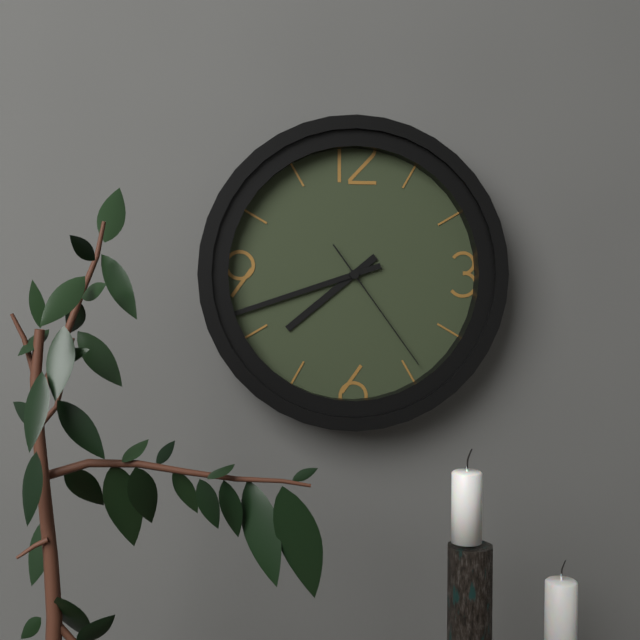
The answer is 7:42:24
